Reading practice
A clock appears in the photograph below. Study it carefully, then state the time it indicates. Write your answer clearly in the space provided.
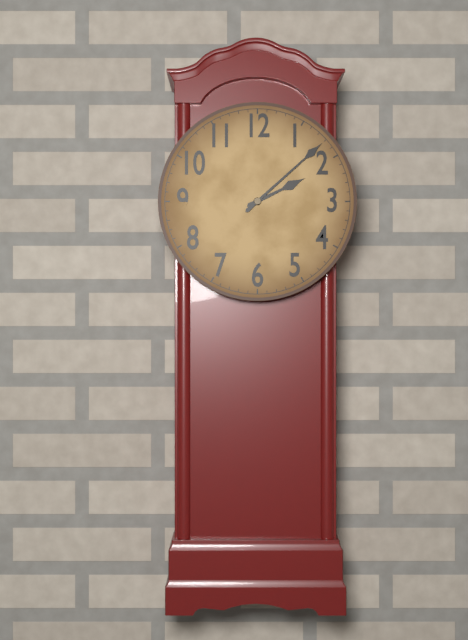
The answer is 2:08
